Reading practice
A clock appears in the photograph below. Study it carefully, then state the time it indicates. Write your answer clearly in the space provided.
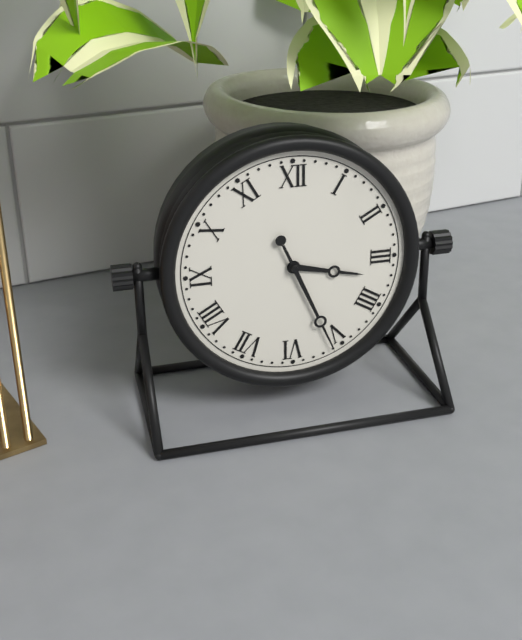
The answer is 3:26
